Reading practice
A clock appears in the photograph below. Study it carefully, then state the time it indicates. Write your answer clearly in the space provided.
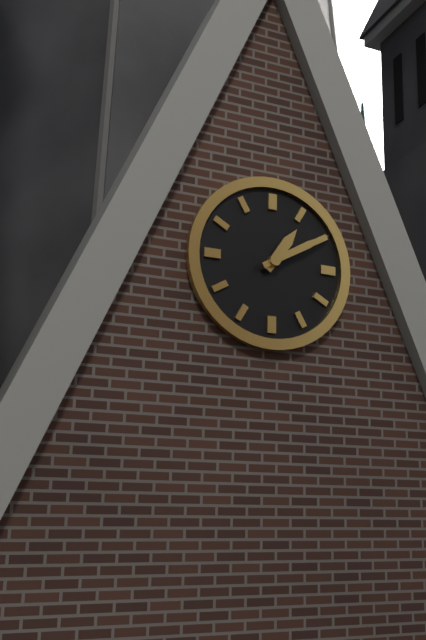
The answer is 1:10
